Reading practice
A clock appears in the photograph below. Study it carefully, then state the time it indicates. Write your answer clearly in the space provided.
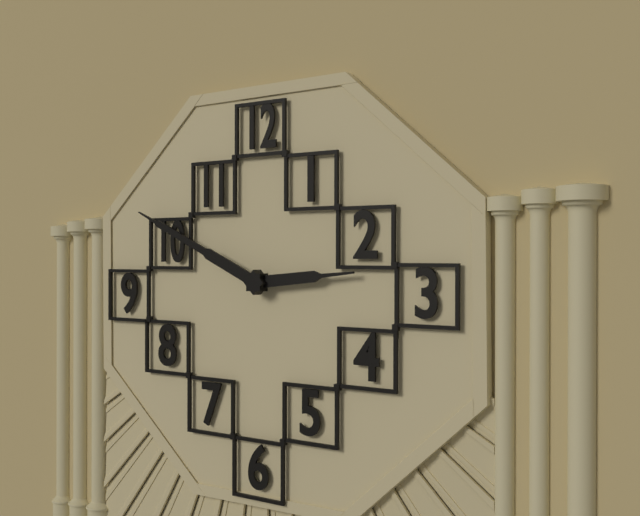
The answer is 2:49
